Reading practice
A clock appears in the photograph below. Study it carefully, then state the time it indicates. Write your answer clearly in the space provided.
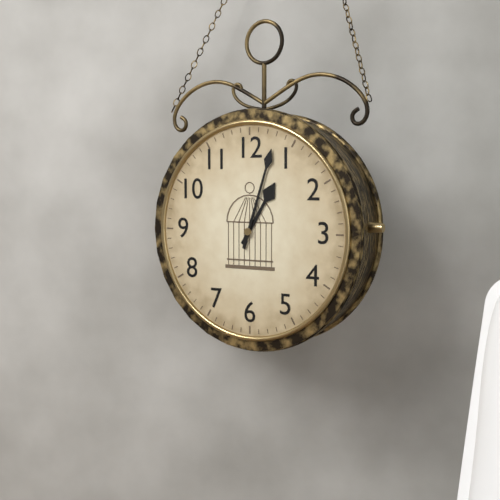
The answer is 1:03
